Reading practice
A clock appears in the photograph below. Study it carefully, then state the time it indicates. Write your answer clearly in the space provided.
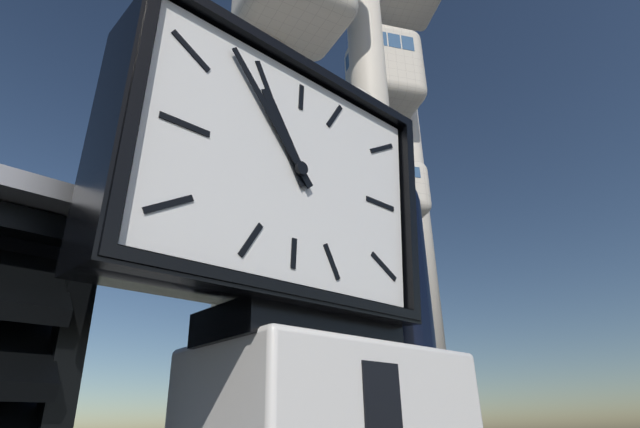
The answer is 10:53
